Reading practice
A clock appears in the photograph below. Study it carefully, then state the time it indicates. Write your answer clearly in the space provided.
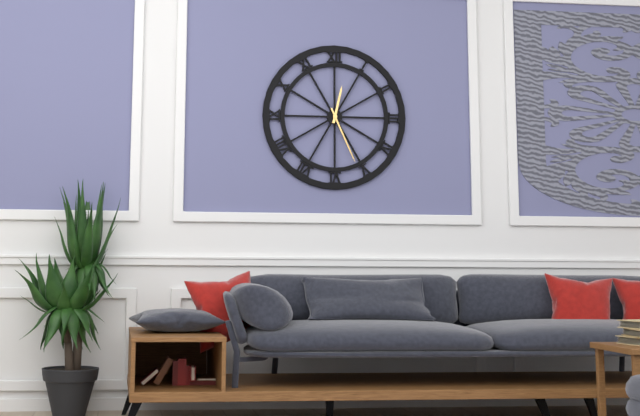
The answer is 12:26
